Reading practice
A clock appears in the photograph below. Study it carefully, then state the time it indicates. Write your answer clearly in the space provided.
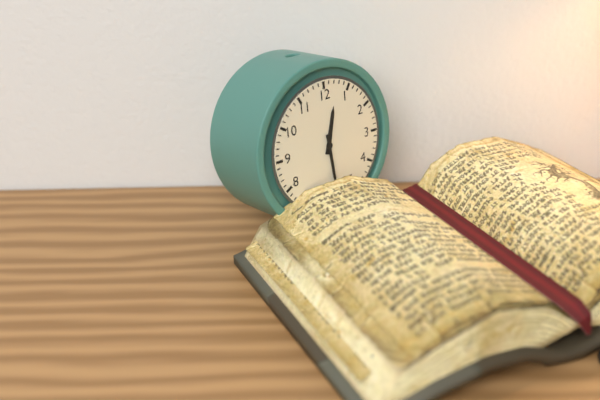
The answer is 12:29
